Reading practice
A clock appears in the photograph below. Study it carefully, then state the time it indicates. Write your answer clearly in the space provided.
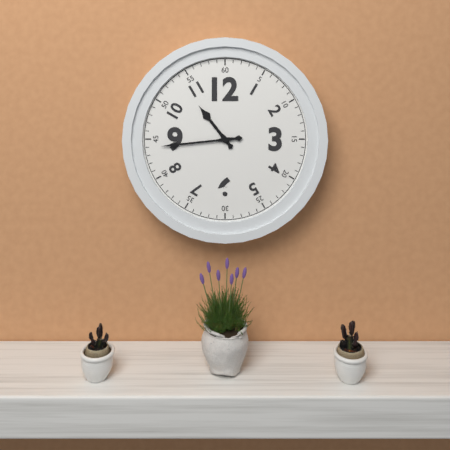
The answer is 10:44
